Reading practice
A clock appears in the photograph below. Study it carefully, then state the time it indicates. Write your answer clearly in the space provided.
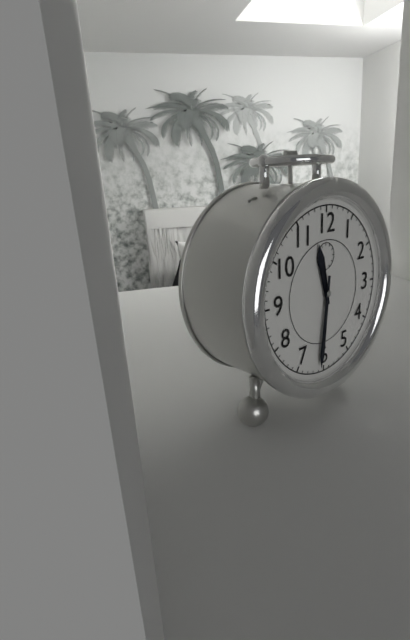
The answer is 11:31
